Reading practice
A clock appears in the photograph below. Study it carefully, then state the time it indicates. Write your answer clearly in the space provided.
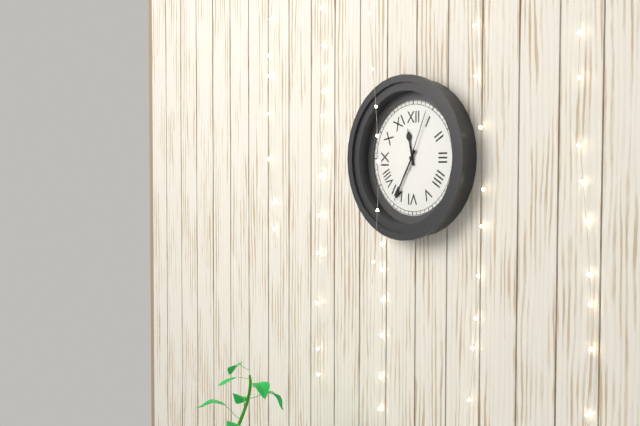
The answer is 11:35:04
